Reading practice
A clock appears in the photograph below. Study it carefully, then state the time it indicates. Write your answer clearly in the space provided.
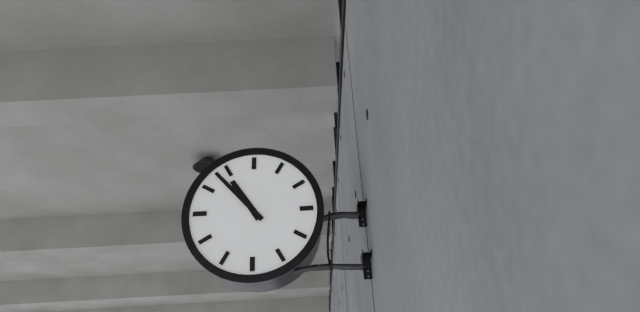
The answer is 10:53
